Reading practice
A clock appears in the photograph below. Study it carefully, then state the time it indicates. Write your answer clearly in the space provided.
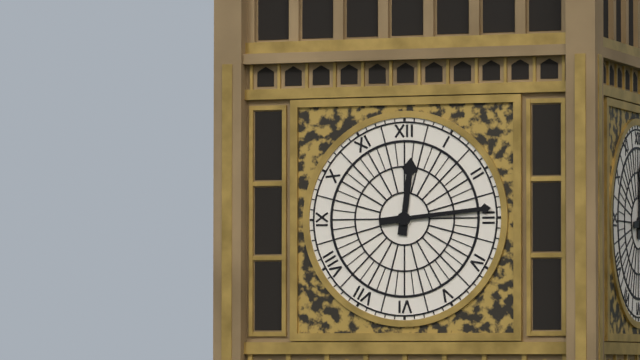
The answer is 12:14
